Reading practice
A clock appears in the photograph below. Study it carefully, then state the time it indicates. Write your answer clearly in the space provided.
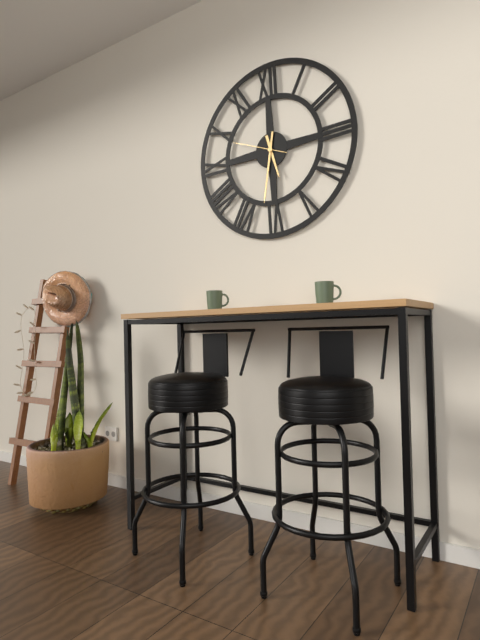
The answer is 5:32:49
